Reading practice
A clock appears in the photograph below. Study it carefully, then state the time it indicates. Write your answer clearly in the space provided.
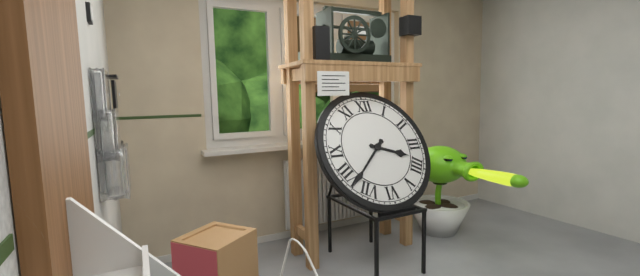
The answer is 3:38
